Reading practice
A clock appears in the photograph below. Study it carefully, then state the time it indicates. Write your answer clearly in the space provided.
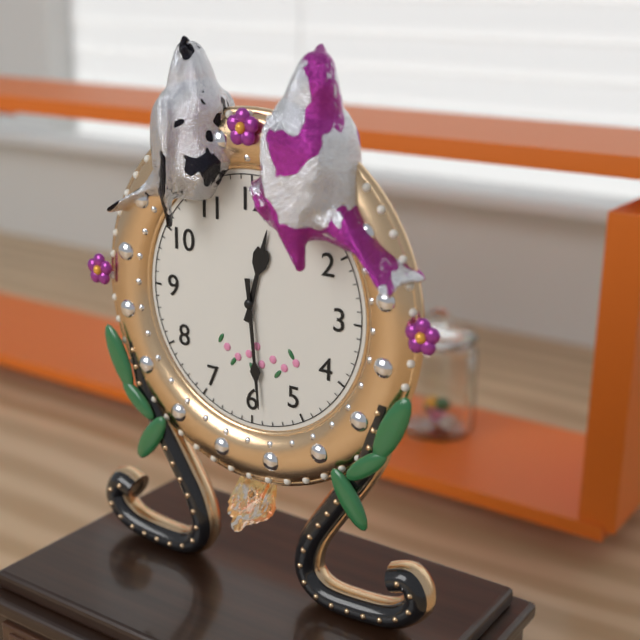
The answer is 12:29
